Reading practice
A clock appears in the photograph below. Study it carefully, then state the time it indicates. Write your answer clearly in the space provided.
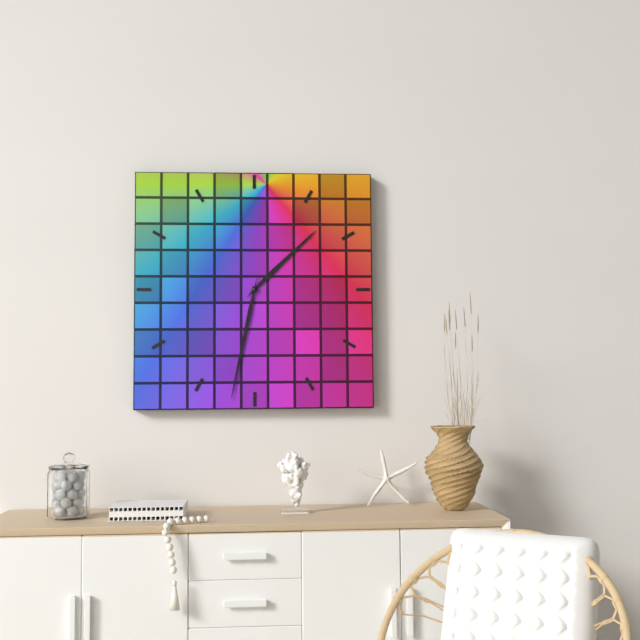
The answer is 1:32
